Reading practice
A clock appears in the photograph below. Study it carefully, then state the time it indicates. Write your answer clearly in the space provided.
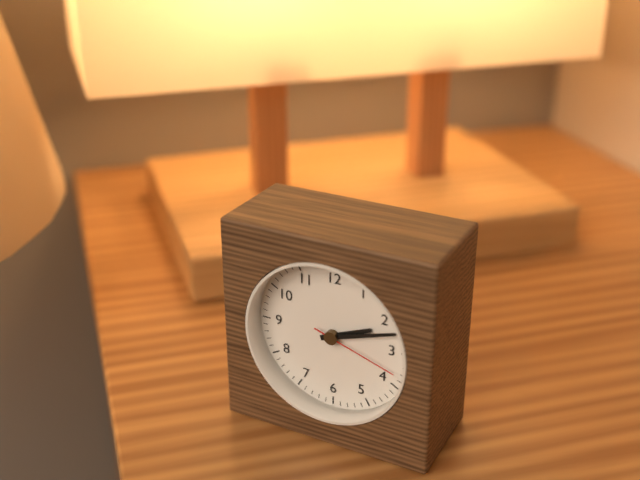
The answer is 2:12:18
